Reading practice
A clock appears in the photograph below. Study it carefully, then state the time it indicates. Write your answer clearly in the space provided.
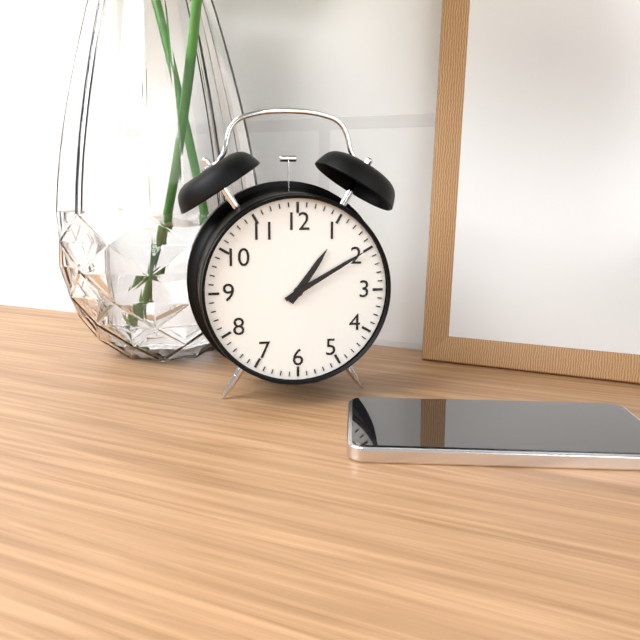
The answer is 1:10
